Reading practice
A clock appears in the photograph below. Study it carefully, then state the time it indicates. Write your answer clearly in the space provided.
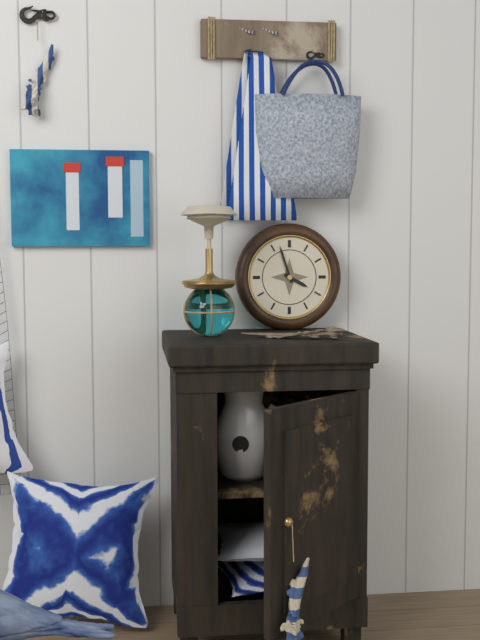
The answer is 3:57
